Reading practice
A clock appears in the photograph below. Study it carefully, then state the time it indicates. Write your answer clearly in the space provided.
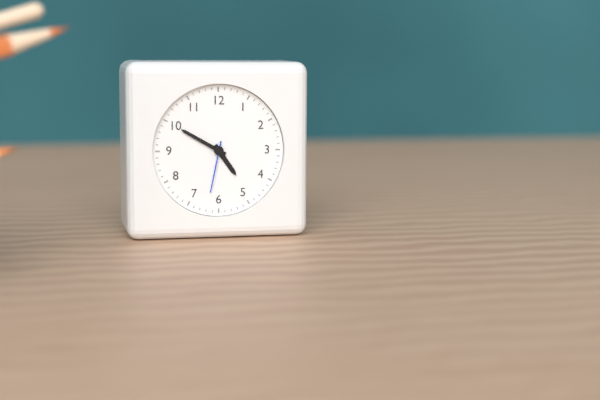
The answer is 4:50:32
